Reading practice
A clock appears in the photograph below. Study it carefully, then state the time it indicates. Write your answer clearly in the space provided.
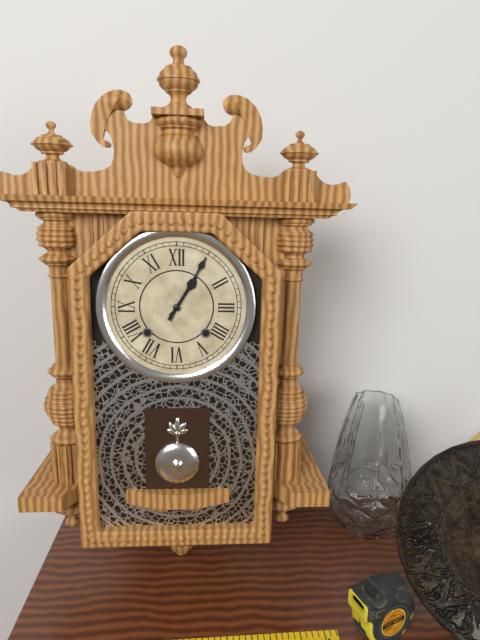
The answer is 1:05
